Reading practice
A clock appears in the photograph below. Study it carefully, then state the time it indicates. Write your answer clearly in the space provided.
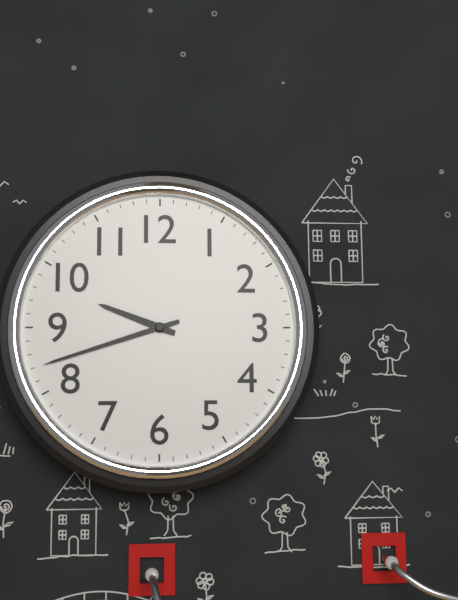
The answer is 9:42
